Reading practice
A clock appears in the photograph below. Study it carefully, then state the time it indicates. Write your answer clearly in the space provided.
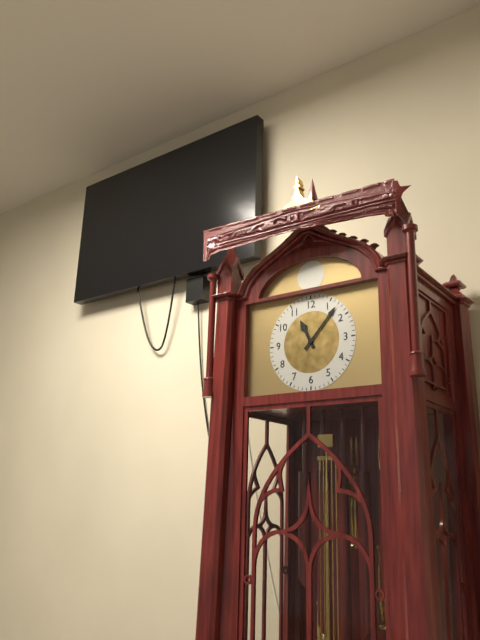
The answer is 11:07
